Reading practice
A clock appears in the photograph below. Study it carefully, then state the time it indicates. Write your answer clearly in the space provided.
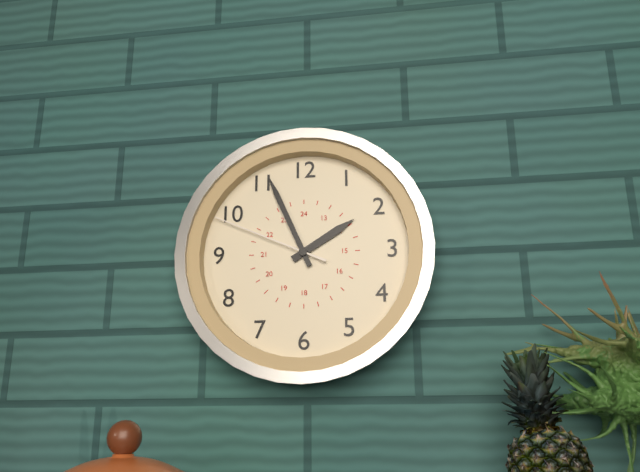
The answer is 1:56:49
